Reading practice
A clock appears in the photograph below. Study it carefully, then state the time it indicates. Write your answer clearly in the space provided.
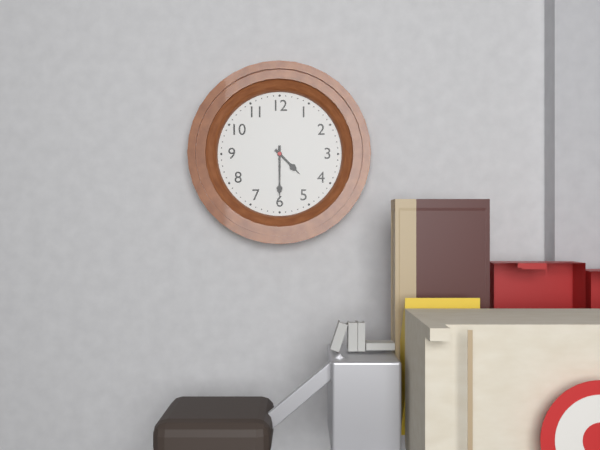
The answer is 4:30
